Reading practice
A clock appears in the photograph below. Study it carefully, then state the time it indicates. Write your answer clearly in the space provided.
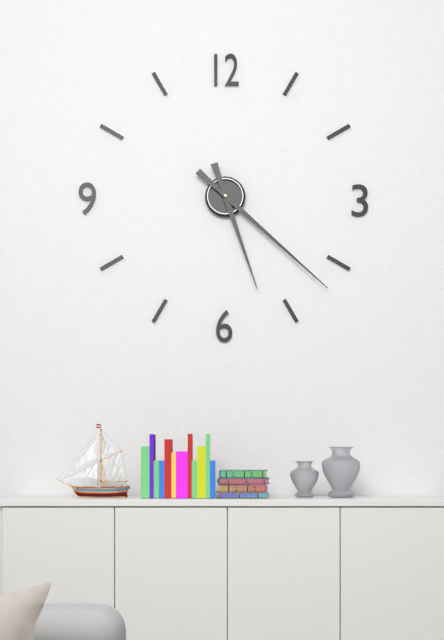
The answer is 5:22
